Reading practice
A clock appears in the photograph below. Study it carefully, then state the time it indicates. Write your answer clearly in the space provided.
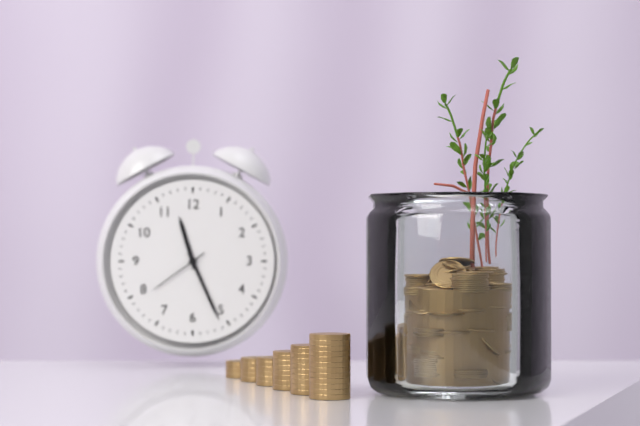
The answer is 11:26:39
